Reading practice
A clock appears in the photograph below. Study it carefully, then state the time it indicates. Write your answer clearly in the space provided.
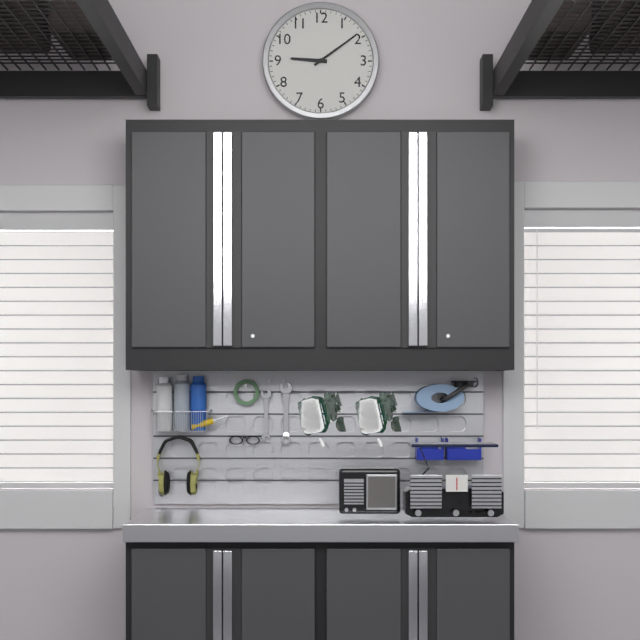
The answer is 9:09
